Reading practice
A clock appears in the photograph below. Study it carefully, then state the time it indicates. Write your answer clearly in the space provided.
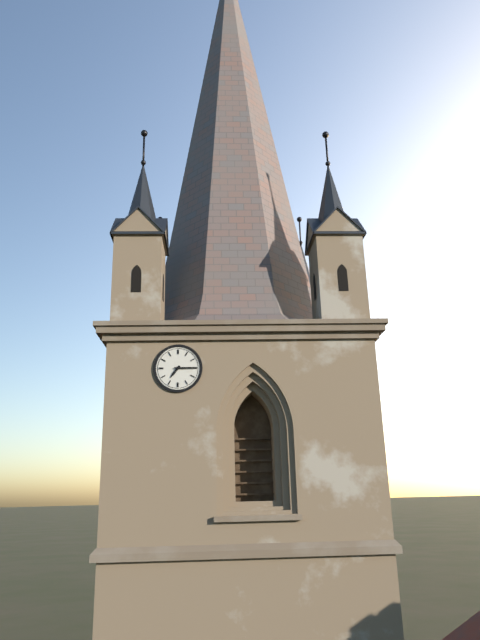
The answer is 7:15
